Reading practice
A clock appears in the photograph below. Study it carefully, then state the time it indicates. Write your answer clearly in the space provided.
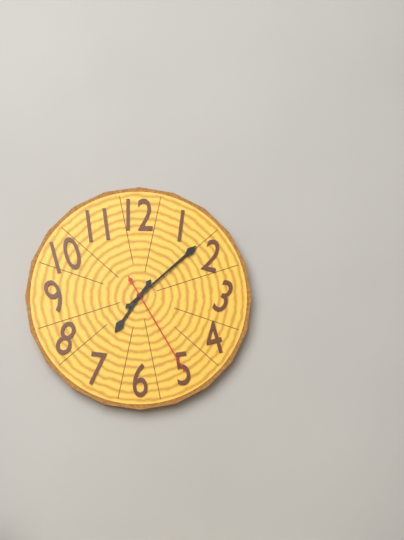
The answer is 7:08:25
